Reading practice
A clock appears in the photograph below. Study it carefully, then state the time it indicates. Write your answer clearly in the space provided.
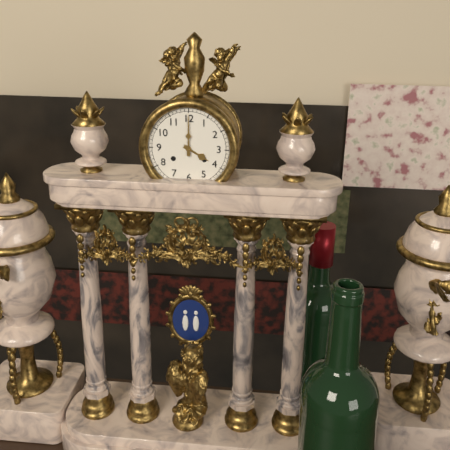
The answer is 4:00
